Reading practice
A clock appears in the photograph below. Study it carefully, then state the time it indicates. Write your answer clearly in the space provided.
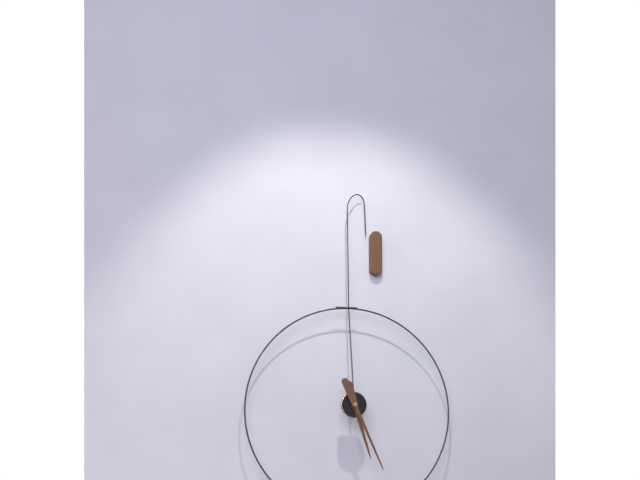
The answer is 5:26
